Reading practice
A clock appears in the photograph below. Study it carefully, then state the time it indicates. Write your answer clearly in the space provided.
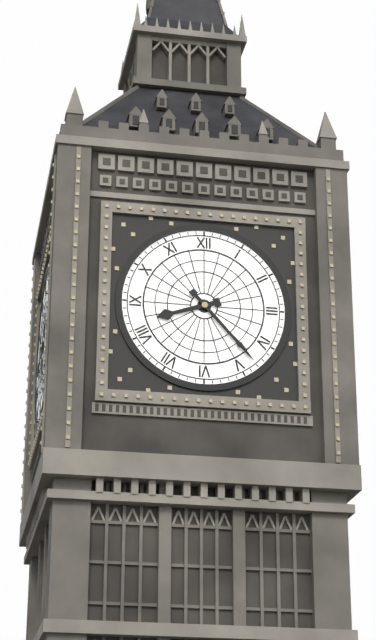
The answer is 8:23
